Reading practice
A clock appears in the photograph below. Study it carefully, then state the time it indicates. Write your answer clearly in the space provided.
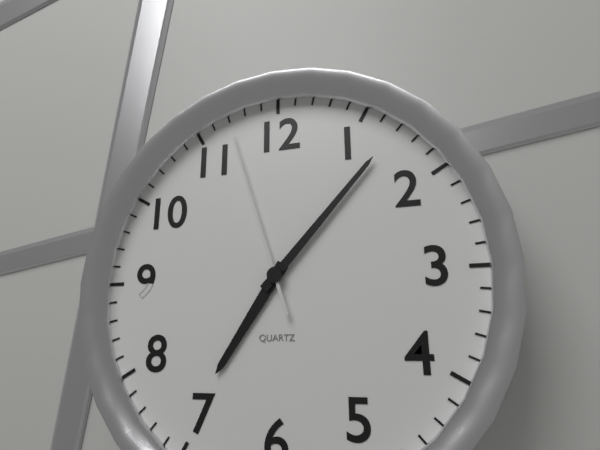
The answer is 7:07:57
